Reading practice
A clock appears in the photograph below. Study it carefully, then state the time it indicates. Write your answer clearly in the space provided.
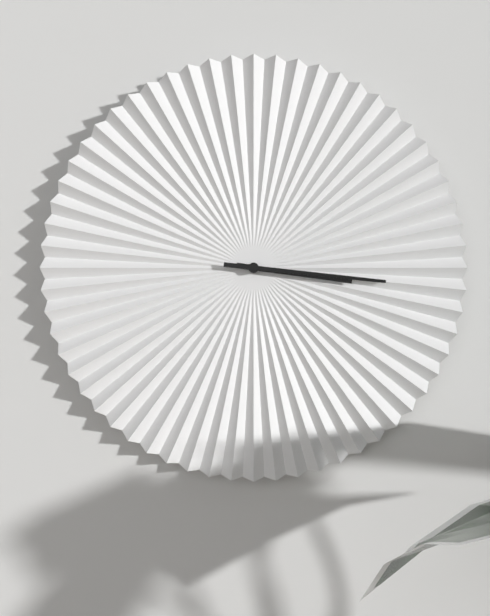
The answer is 3:16
